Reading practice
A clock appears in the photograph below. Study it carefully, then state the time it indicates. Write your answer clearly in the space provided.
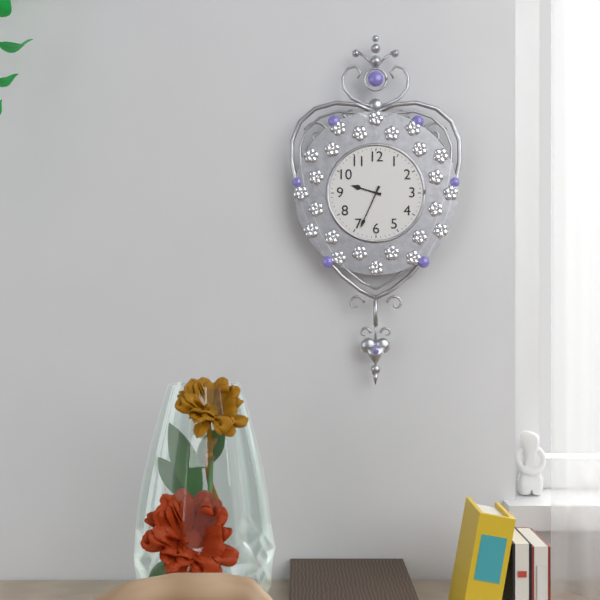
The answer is 9:34
